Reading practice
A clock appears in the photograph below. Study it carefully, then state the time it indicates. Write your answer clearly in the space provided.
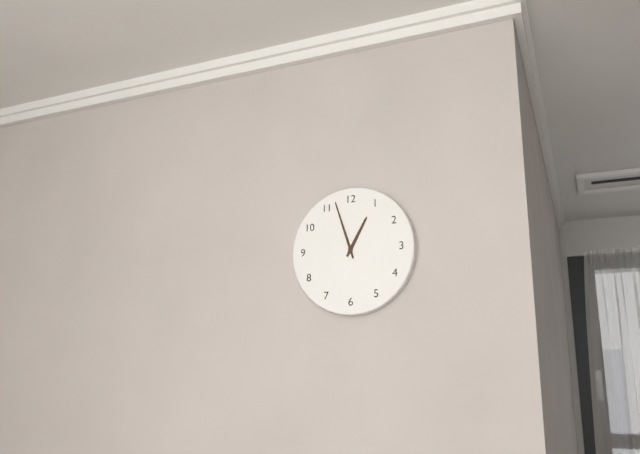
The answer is 12:57
